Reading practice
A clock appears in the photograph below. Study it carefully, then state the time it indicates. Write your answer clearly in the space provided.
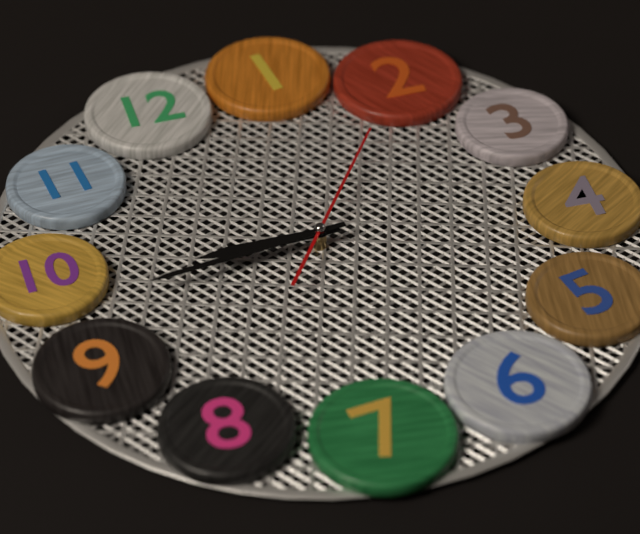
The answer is 9:48:10
